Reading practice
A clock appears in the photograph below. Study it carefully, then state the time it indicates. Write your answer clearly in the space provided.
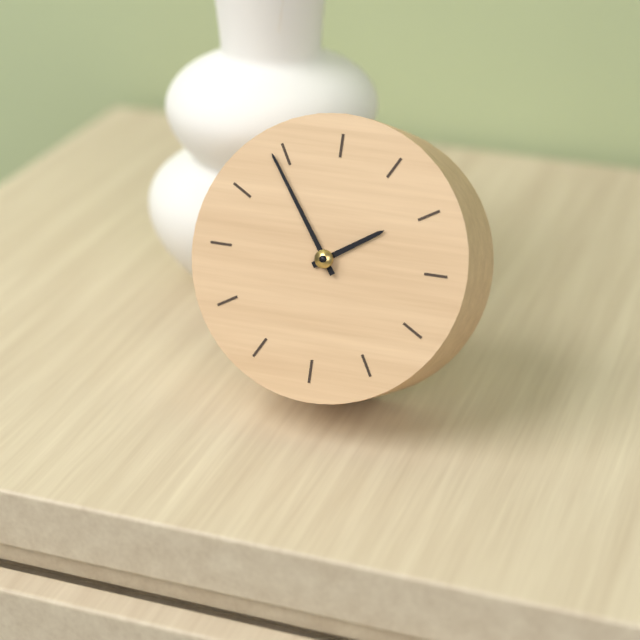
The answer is 1:54
